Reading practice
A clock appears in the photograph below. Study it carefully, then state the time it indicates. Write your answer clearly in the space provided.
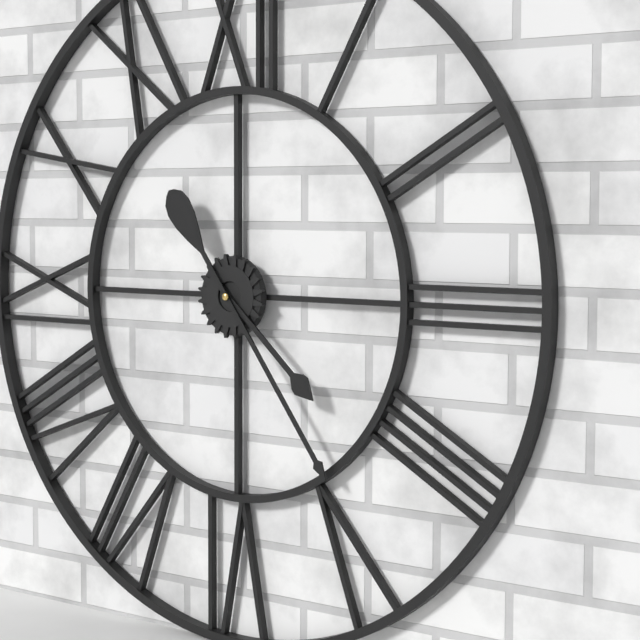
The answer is 4:24
